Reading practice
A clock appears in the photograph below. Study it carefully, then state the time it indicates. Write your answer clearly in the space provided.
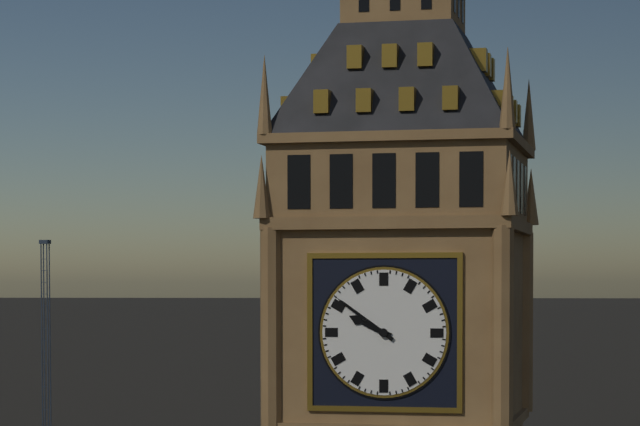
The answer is 9:51
